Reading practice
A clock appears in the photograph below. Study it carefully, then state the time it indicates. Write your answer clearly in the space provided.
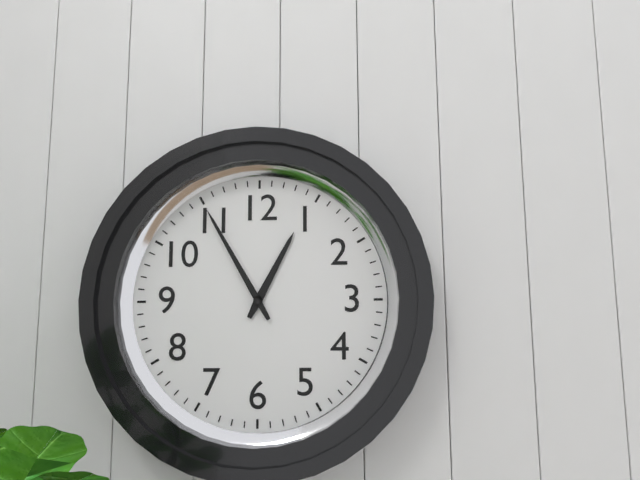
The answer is 12:55
